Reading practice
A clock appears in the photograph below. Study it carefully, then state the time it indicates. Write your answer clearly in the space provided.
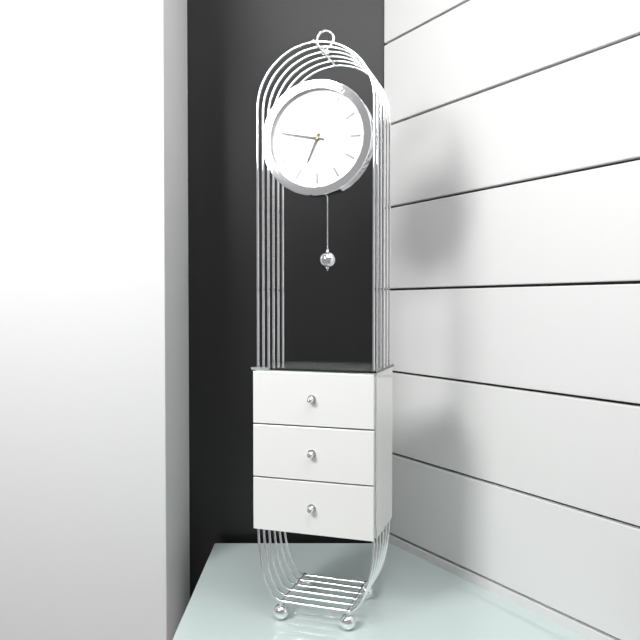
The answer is 6:47
